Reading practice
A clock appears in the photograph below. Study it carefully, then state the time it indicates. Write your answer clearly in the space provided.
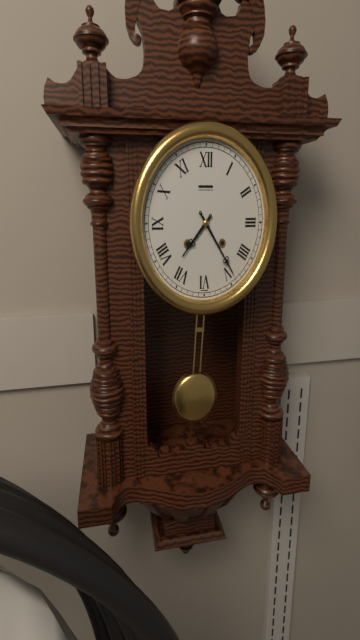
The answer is 7:24
